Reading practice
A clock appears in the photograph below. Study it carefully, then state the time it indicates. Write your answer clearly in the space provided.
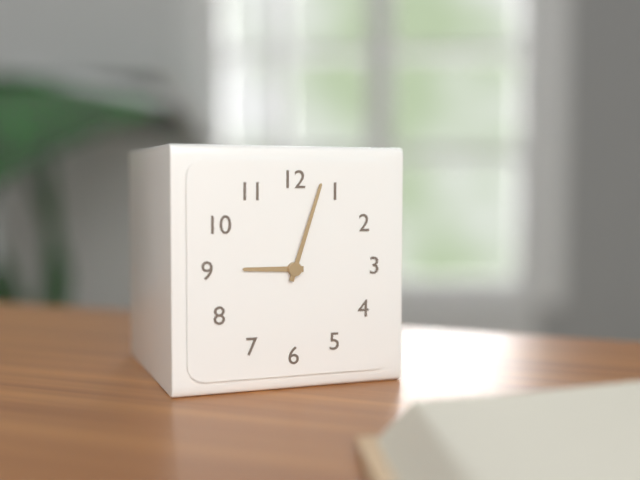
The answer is 9:03
